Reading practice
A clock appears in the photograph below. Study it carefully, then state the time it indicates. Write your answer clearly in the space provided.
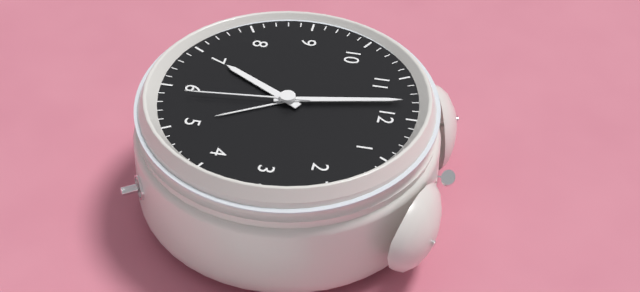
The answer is 6:58:29
